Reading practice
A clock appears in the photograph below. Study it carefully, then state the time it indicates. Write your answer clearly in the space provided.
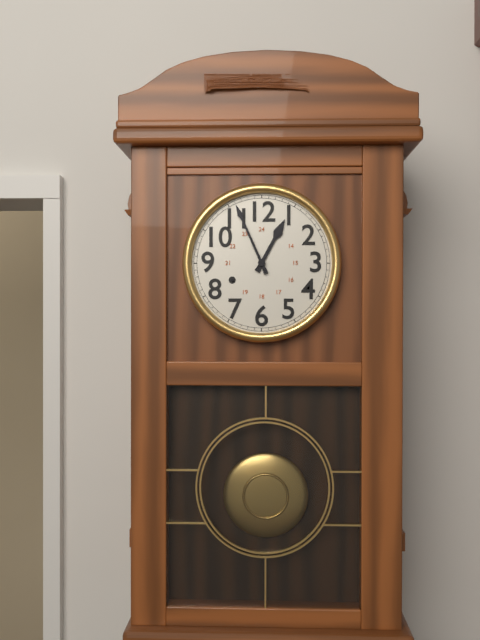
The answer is 12:56
